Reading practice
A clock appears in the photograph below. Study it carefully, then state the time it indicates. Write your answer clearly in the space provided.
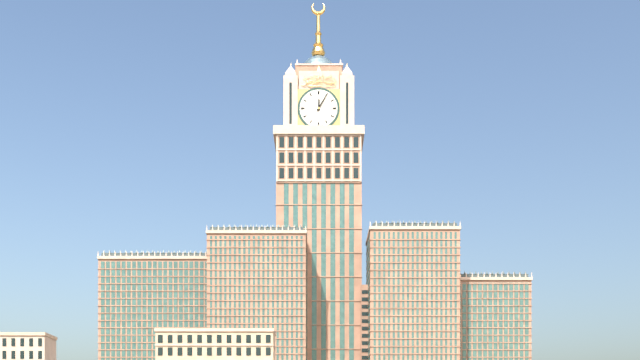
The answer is 12:05
